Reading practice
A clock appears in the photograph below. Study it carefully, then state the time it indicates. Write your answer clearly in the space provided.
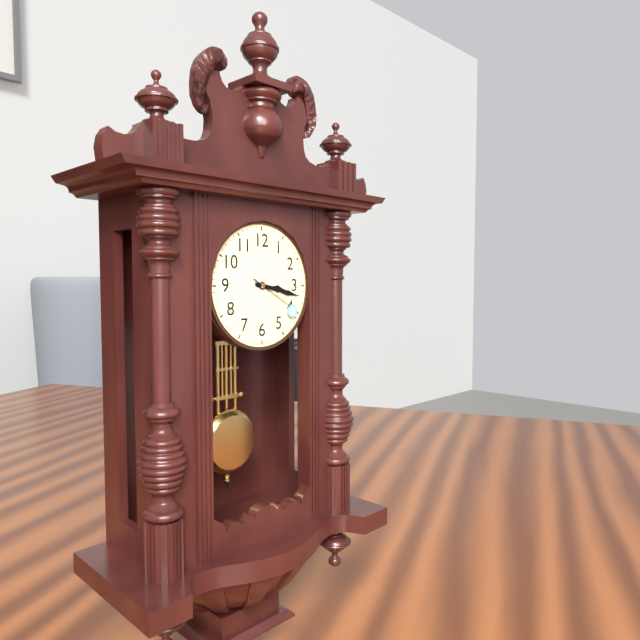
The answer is 3:17:20
